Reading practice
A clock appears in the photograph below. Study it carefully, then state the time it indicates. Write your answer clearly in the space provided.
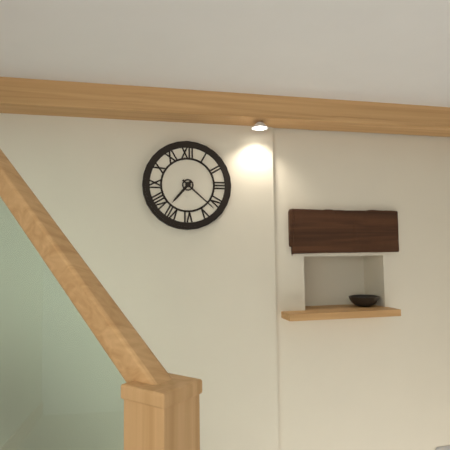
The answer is 7:22
